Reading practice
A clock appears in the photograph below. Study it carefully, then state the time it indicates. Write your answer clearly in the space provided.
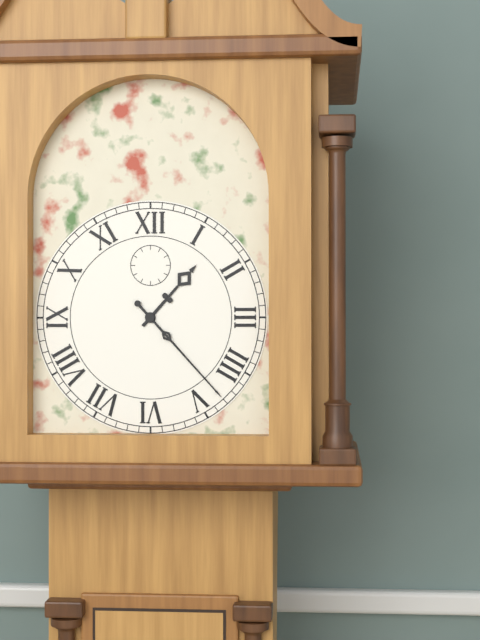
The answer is 1:23
